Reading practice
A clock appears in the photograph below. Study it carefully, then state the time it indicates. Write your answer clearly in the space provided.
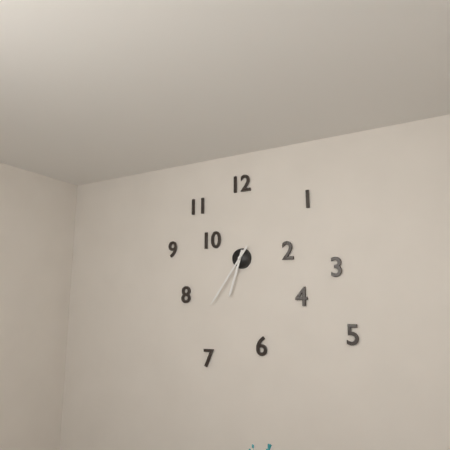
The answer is 6:36
